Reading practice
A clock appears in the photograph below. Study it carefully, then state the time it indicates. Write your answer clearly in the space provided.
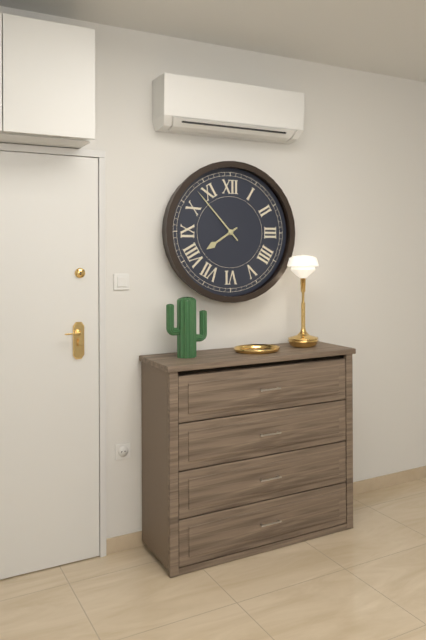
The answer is 7:53
